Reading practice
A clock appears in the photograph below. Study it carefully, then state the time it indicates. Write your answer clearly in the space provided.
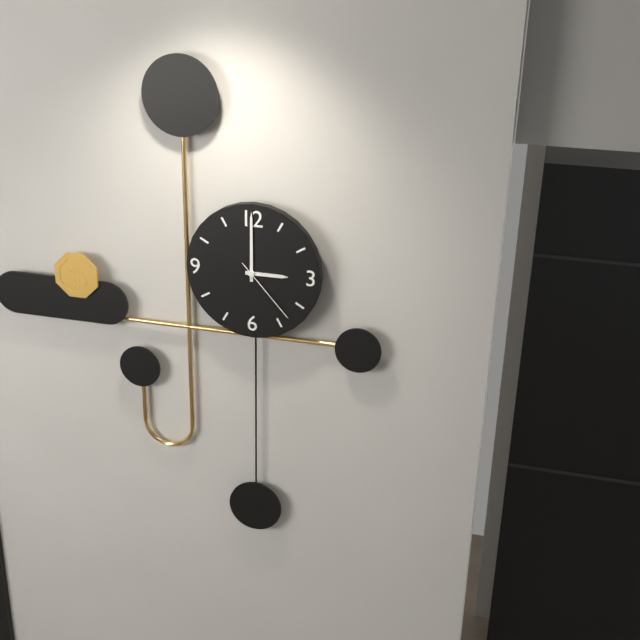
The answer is 3:00:23
